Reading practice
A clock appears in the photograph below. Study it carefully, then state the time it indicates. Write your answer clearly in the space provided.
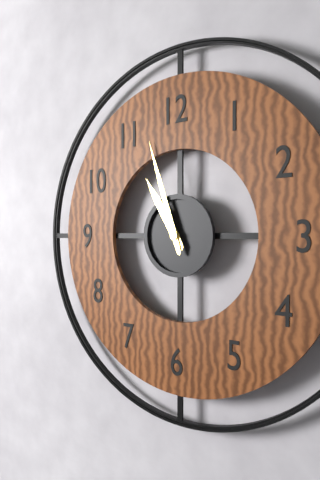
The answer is 10:57
